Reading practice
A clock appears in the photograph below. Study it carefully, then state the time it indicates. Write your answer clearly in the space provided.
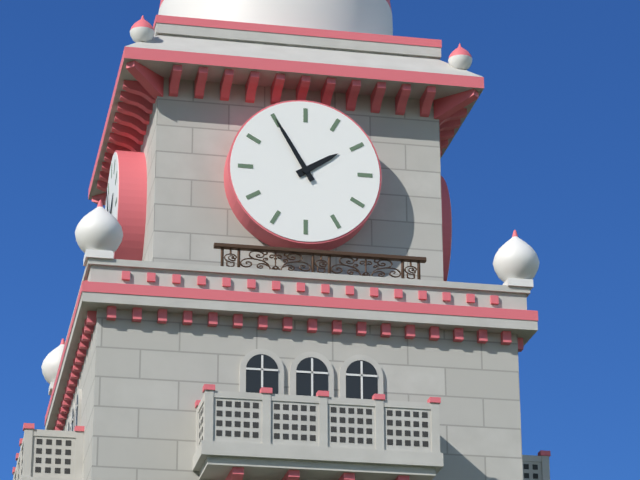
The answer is 1:55
